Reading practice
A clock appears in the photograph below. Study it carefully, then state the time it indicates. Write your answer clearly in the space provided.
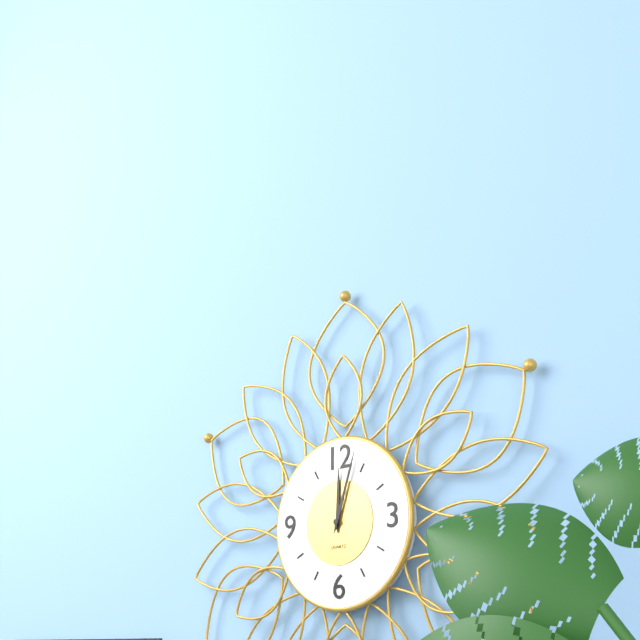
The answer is 12:03
